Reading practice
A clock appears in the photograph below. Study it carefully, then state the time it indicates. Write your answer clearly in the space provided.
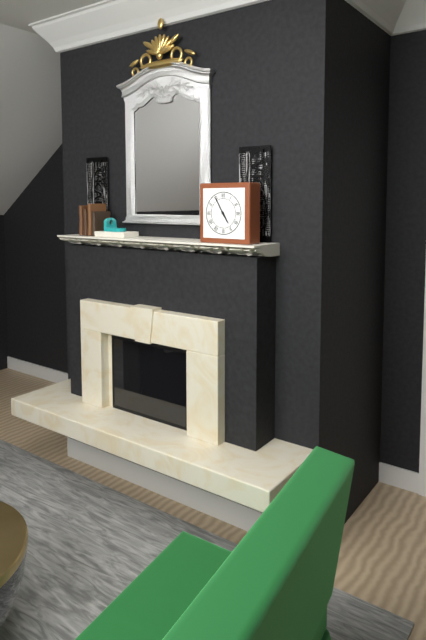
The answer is 4:55
